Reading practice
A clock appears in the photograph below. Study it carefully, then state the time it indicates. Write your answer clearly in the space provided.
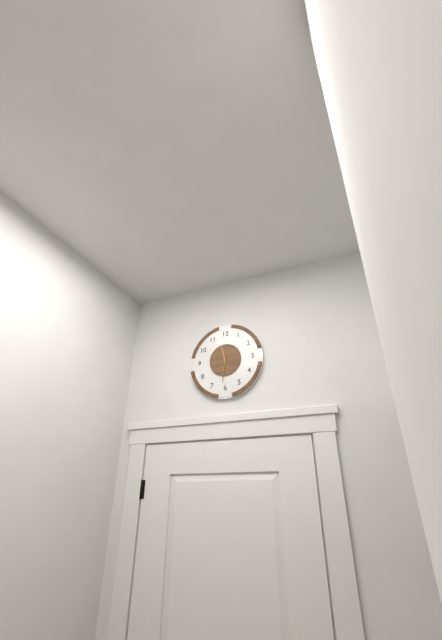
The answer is 11:31
